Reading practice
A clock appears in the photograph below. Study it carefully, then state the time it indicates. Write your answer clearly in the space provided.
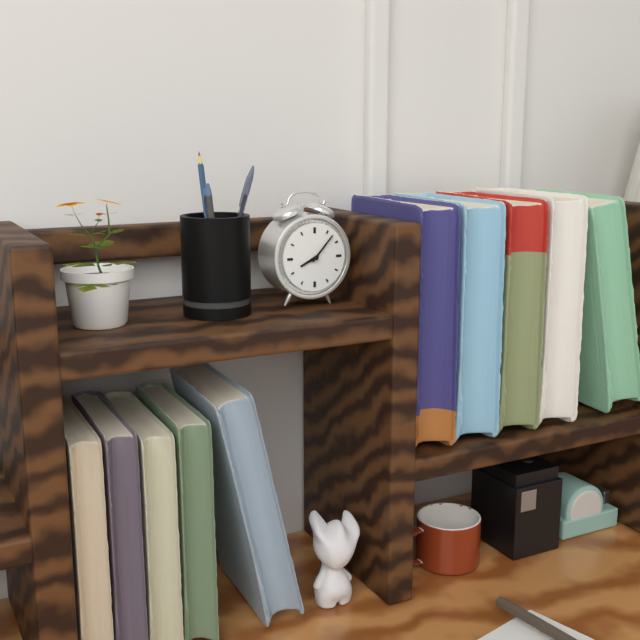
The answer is 8:07
